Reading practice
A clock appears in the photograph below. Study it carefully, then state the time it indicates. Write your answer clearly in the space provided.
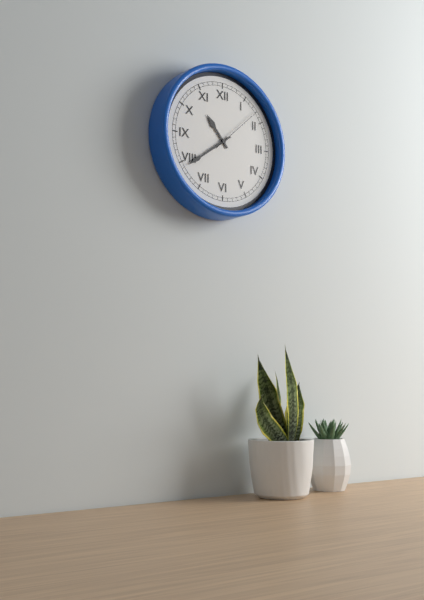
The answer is 10:39:08
